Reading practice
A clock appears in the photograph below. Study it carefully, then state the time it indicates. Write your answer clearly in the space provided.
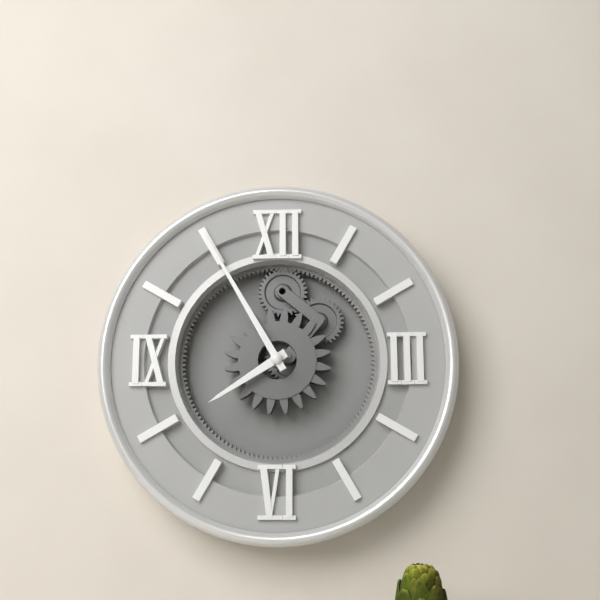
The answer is 7:55
